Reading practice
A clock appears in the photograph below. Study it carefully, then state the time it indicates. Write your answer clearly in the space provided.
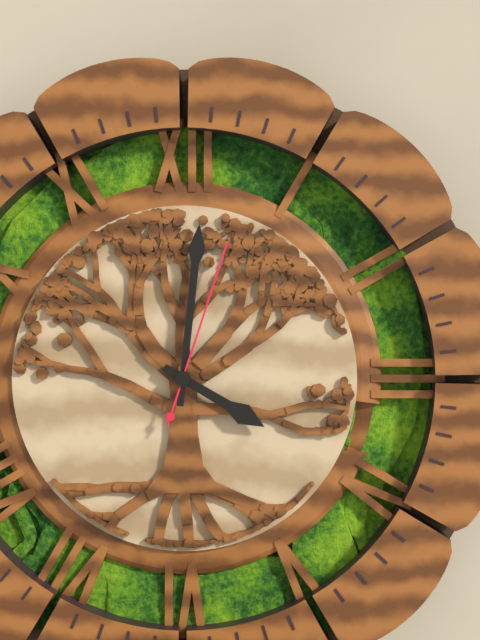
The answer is 4:01:03
